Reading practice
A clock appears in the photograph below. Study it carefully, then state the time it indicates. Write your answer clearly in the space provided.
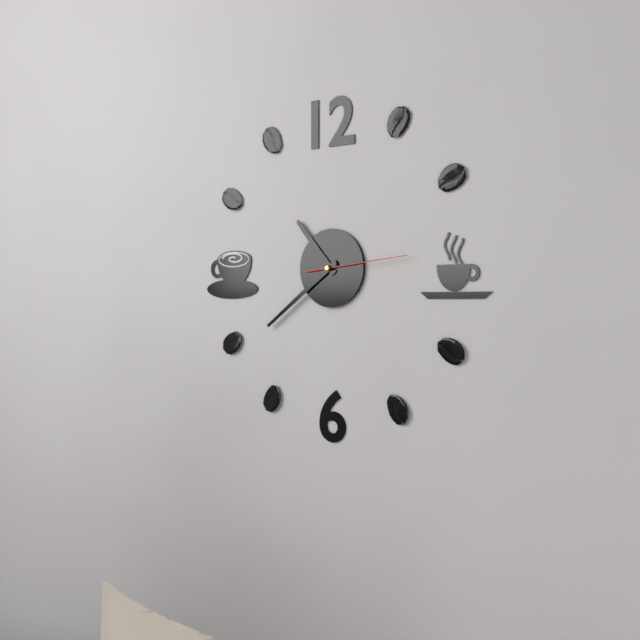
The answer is 10:39:14
